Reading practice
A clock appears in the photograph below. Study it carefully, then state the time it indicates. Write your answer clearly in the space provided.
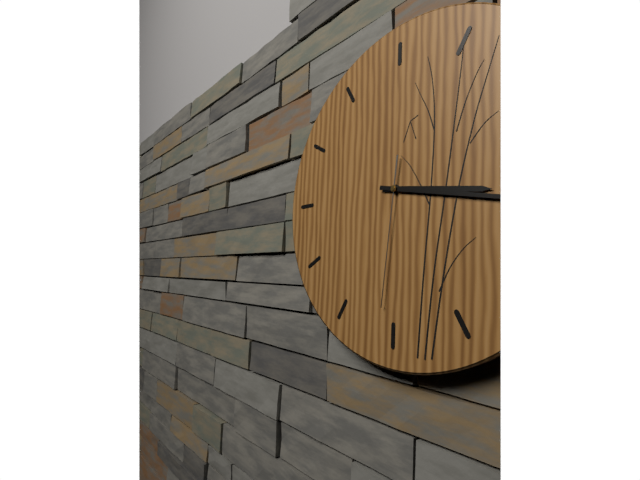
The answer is 3:17:31
